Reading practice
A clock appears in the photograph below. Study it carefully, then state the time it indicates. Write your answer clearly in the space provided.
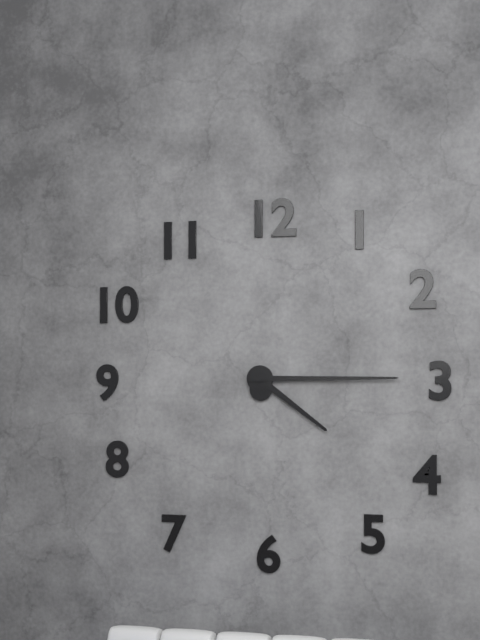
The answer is 4:15
